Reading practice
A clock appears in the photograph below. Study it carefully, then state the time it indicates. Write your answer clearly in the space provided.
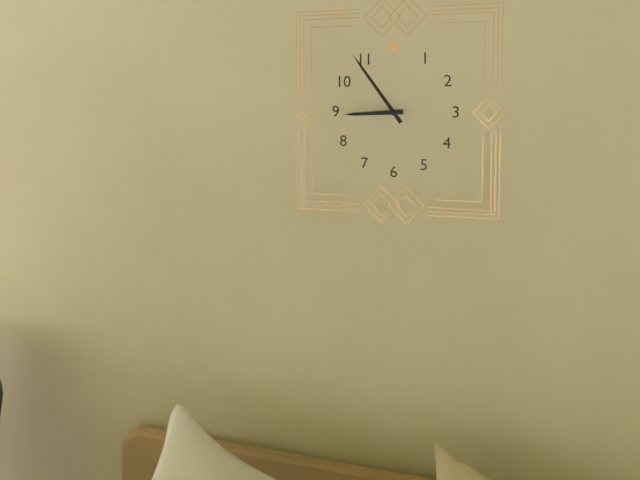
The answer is 8:54
